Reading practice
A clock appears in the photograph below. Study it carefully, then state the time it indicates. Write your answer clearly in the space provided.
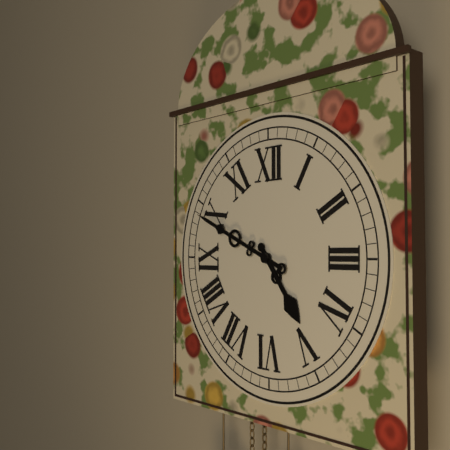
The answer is 4:49
